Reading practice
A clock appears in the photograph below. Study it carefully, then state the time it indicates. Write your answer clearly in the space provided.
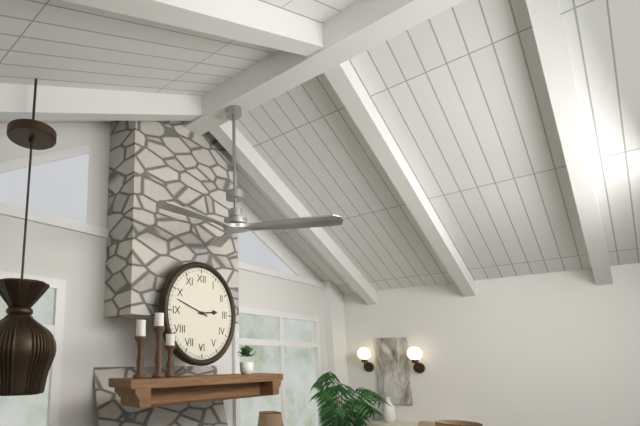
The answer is 2:48
